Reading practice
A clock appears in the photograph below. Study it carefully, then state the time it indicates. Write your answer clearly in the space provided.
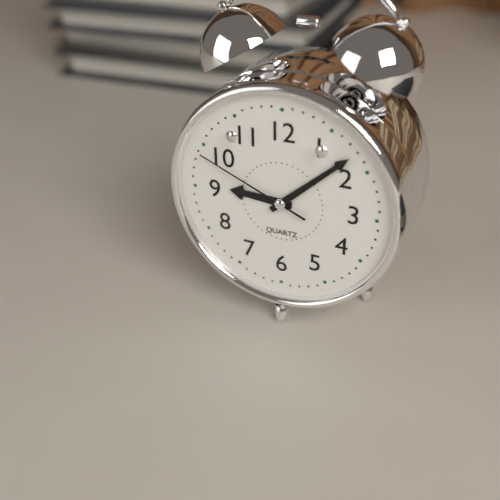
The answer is 9:08:49
